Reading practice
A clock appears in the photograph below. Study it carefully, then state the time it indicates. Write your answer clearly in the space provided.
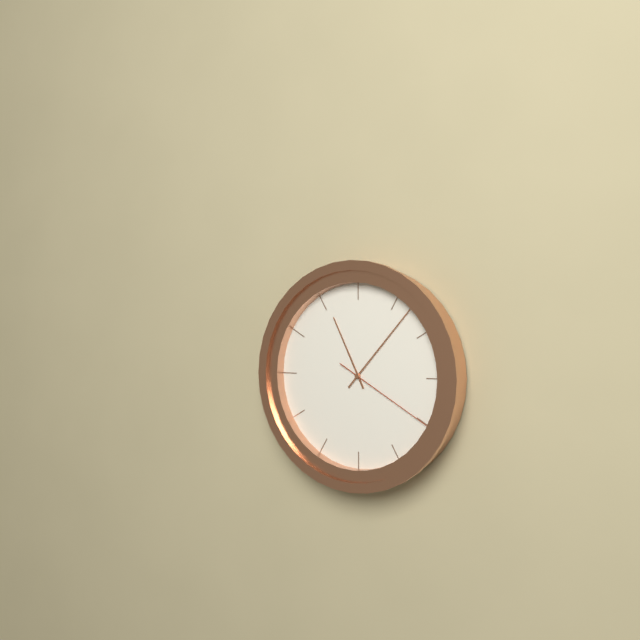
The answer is 11:07:20
